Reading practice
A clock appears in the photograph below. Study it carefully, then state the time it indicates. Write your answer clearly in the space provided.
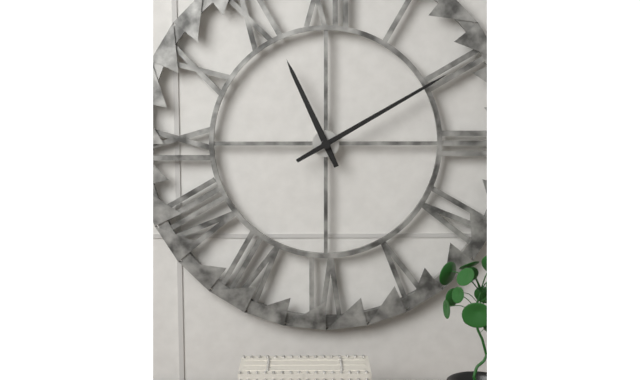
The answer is 11:10
